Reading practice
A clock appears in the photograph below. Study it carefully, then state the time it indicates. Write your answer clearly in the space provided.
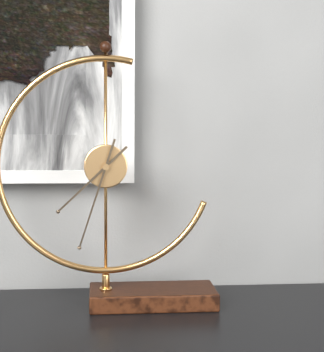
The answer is 7:33
